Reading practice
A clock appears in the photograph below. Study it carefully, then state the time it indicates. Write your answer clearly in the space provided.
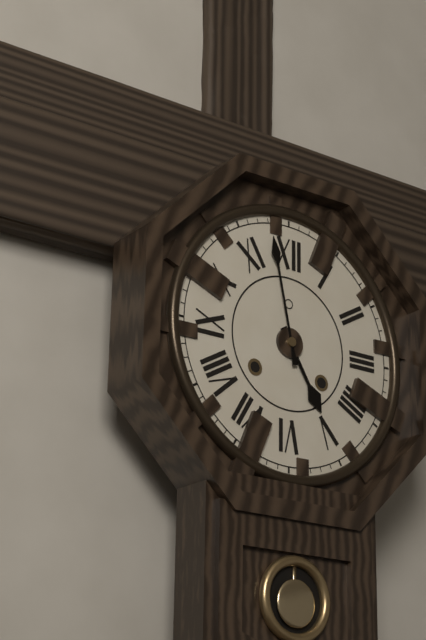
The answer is 4:58
